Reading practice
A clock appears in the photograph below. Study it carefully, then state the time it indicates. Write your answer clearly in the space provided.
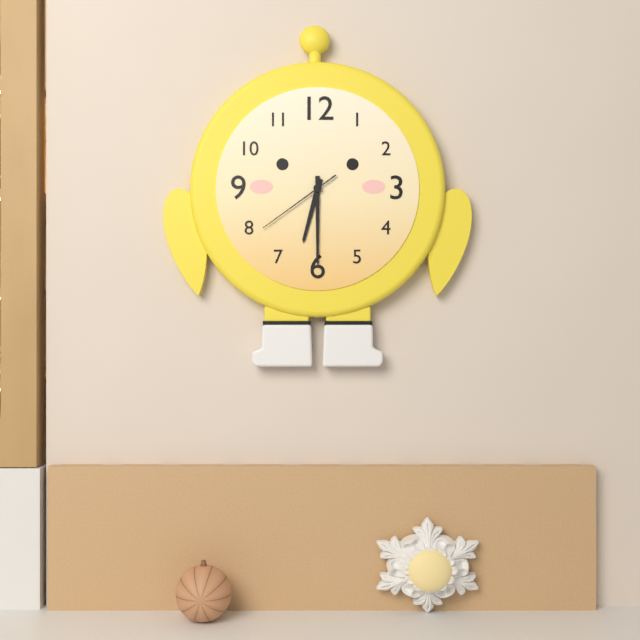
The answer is 6:30:39
